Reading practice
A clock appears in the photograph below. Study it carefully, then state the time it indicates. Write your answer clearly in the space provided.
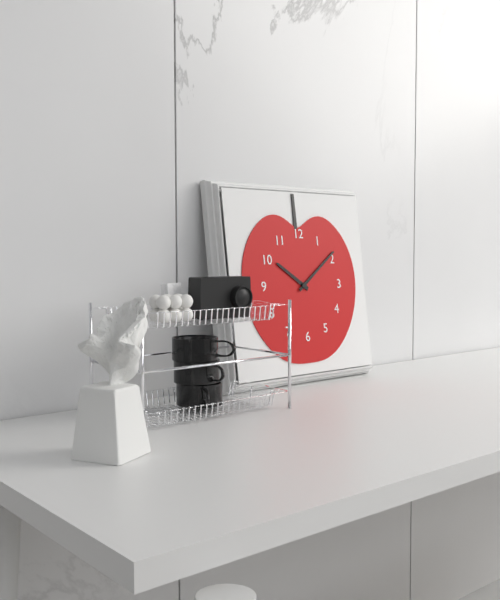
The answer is 10:09
